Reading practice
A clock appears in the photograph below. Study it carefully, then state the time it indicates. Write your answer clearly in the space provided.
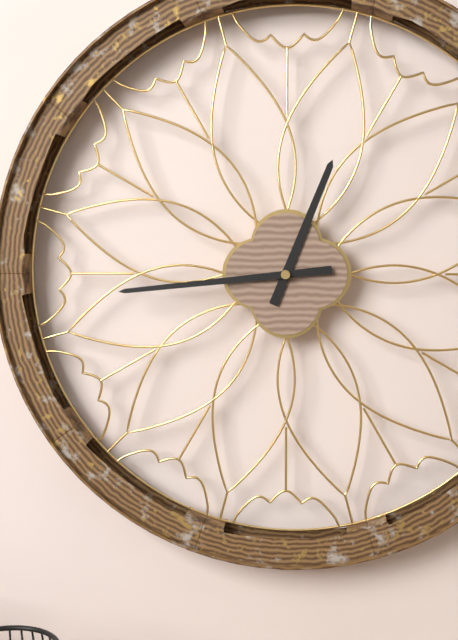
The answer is 12:44
